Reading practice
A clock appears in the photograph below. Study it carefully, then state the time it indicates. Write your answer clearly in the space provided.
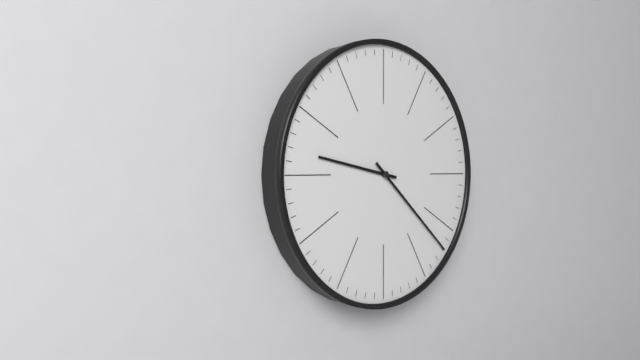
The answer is 9:22
